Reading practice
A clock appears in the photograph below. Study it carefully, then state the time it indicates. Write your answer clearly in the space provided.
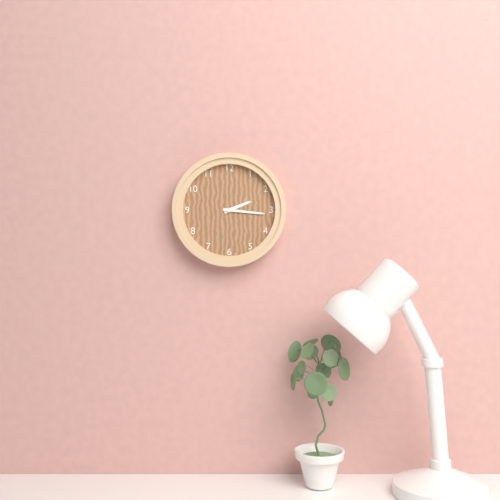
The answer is 2:16
